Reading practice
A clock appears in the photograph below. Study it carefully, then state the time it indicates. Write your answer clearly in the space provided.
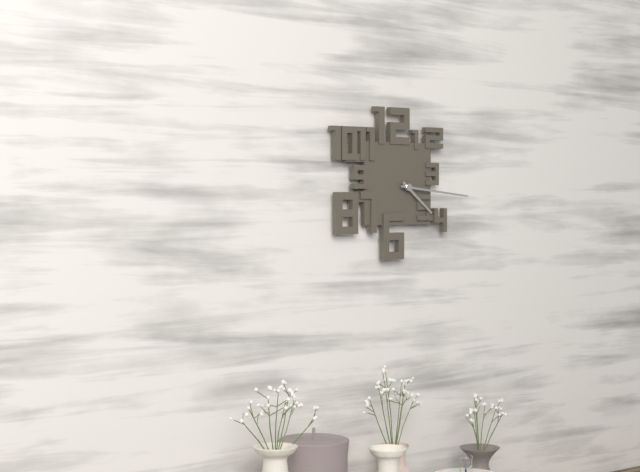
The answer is 4:16
